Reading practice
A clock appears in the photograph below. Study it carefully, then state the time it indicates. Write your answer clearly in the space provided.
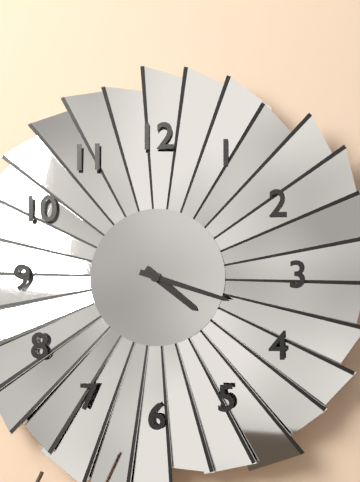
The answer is 4:18
